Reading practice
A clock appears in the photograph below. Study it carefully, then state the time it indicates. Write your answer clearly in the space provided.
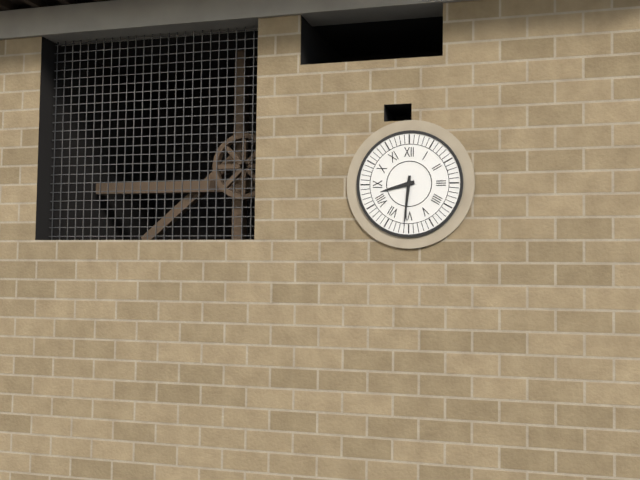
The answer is 8:31
